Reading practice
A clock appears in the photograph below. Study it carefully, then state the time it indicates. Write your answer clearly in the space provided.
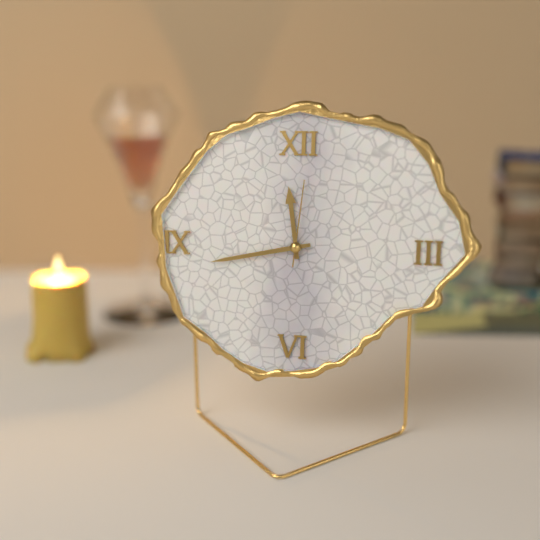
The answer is 11:43:01
